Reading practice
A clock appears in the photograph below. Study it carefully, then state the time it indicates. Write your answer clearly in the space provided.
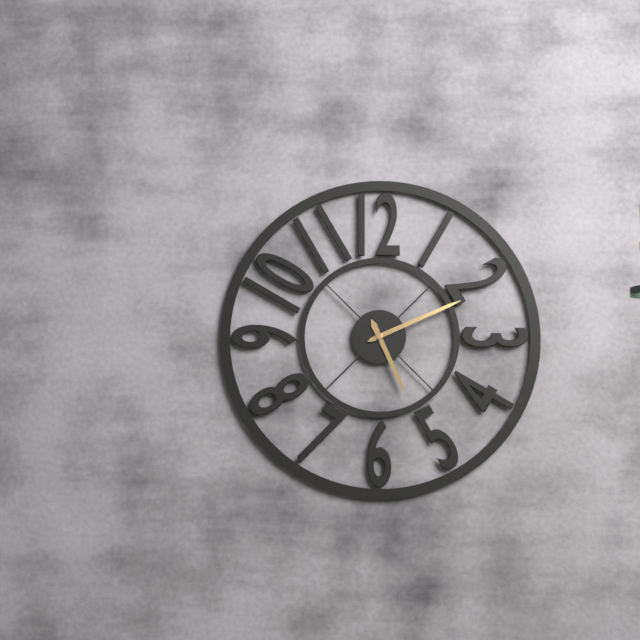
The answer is 5:11
